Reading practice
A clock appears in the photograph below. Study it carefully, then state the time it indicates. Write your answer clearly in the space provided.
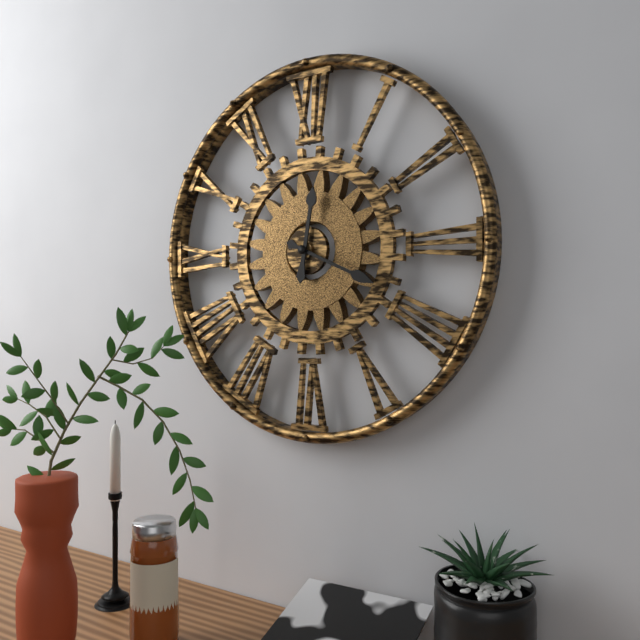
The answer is 12:19
